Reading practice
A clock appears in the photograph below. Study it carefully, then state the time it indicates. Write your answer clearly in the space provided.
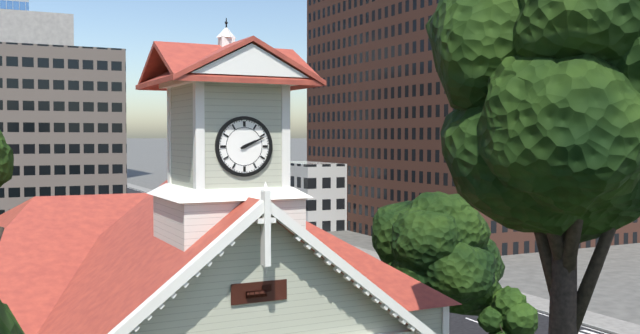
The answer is 2:11
